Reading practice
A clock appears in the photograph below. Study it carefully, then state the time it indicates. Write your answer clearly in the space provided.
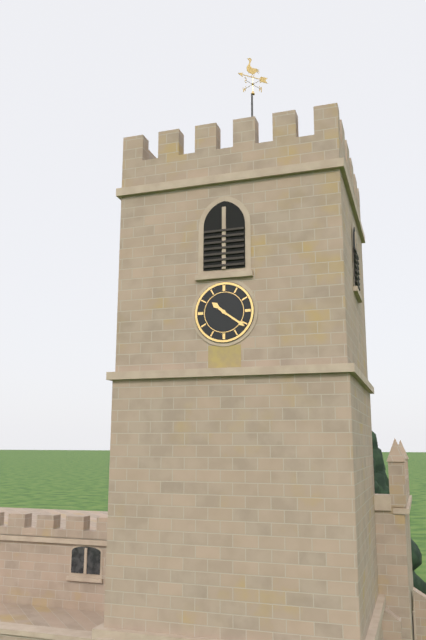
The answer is 10:21
